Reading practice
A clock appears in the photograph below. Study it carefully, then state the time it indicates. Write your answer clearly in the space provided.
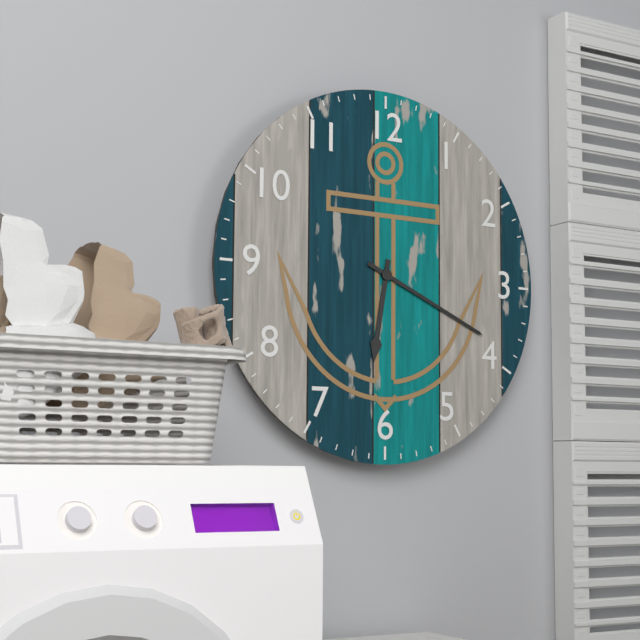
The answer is 6:19
